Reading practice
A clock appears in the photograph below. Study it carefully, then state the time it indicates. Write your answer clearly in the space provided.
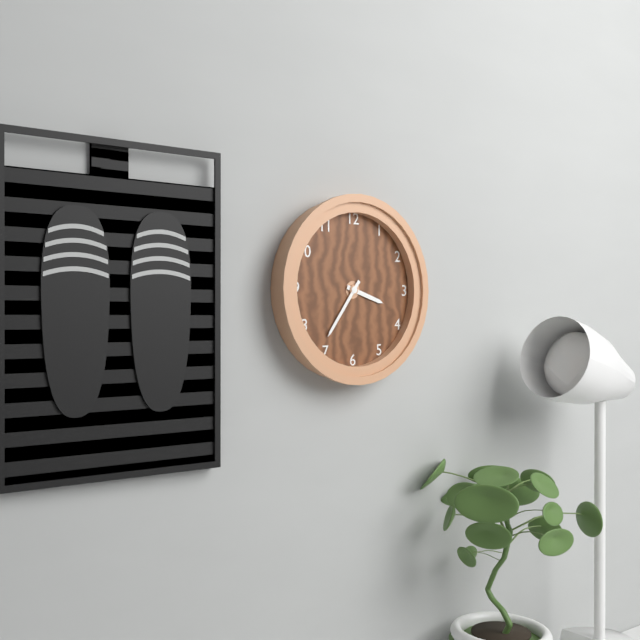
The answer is 3:36
